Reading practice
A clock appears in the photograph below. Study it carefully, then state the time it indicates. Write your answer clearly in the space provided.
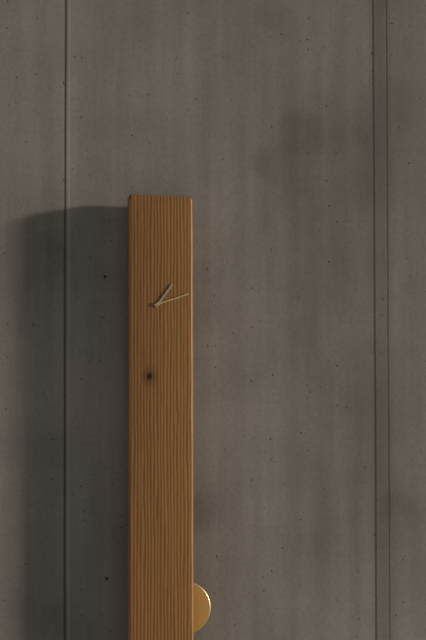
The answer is 1:12
